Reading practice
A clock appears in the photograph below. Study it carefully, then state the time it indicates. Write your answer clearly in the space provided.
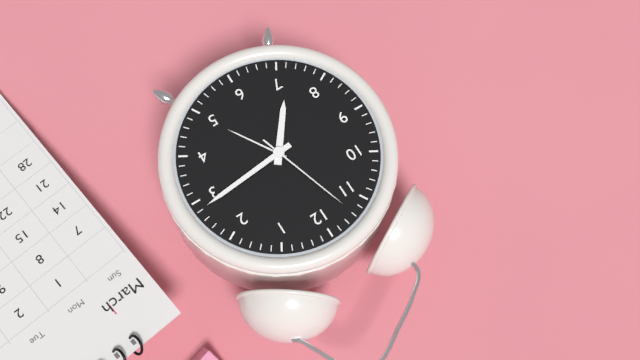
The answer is 7:14:57
